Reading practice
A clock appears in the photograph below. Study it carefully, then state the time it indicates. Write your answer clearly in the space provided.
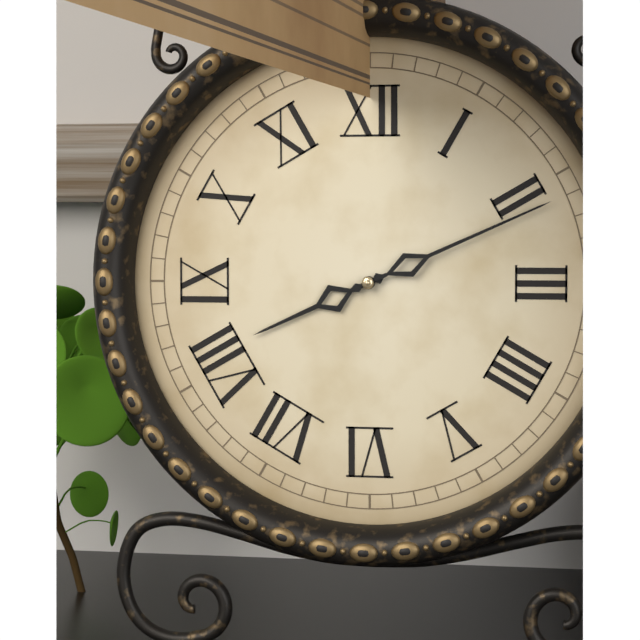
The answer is 8:11
